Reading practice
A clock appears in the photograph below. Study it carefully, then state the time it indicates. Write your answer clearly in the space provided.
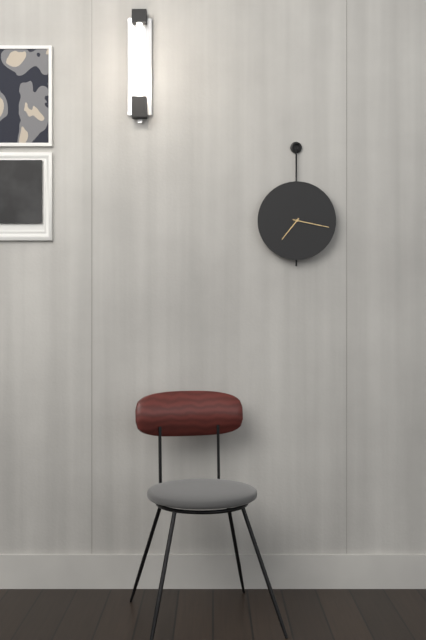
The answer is 7:17
